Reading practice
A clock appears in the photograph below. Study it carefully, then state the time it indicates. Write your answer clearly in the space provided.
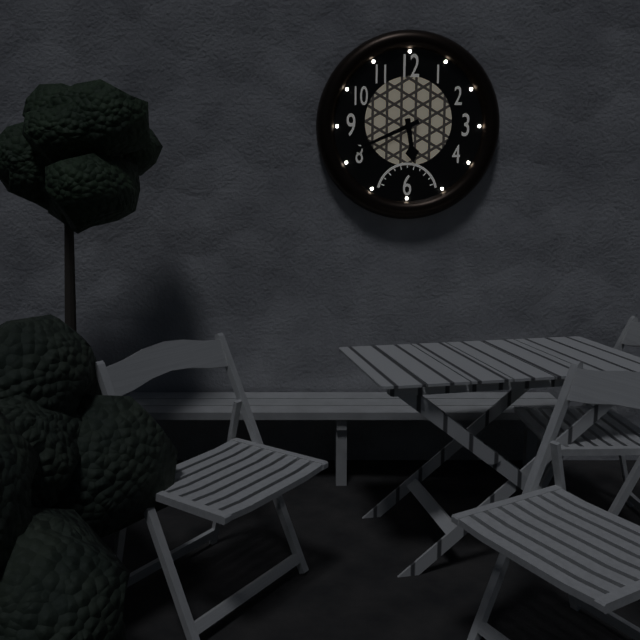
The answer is 5:41
